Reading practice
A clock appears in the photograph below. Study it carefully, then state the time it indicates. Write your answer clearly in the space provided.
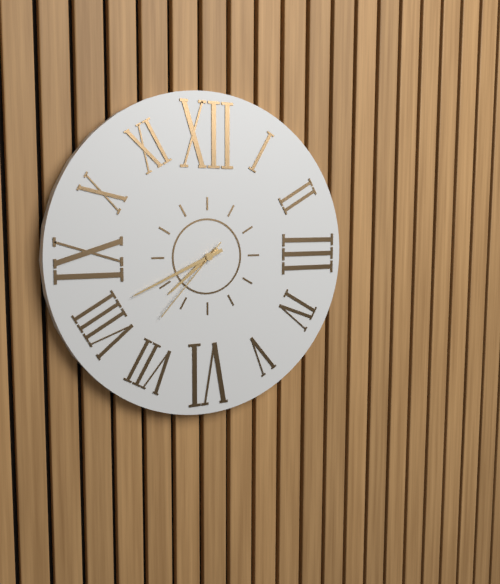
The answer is 7:41:37
